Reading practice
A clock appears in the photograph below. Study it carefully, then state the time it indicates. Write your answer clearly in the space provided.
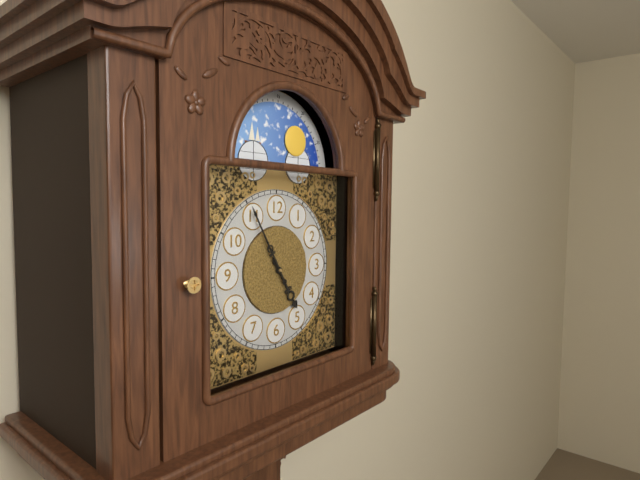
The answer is 4:55
